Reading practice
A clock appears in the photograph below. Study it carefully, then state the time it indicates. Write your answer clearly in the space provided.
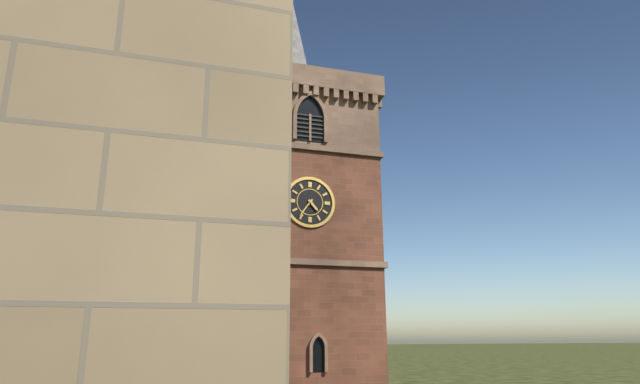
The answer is 4:36
